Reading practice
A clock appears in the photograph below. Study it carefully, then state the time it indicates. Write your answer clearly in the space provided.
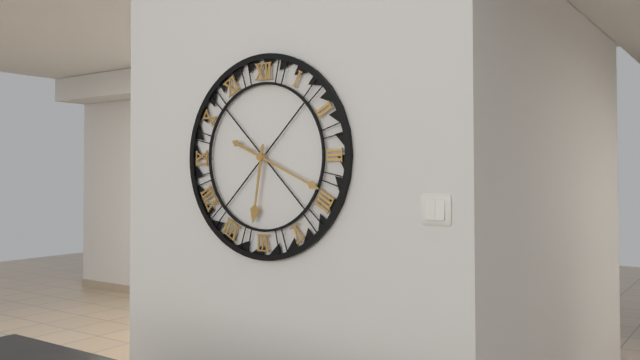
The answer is 6:19
